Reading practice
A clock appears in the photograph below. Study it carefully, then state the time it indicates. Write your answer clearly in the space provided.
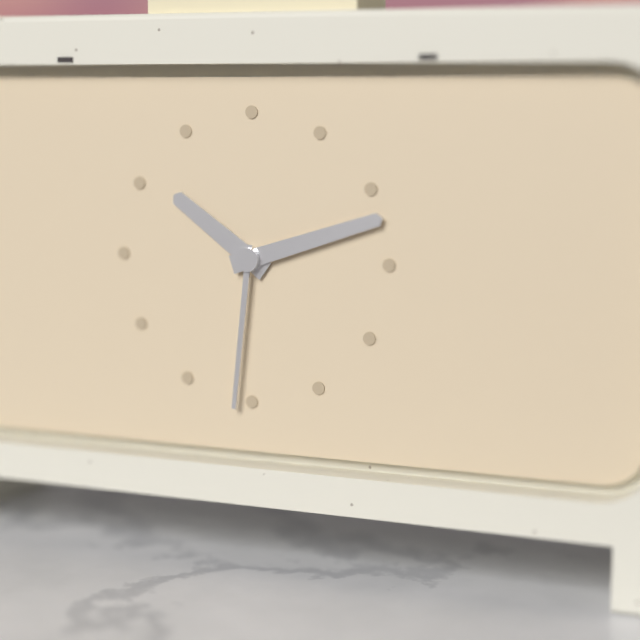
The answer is 10:12:31
